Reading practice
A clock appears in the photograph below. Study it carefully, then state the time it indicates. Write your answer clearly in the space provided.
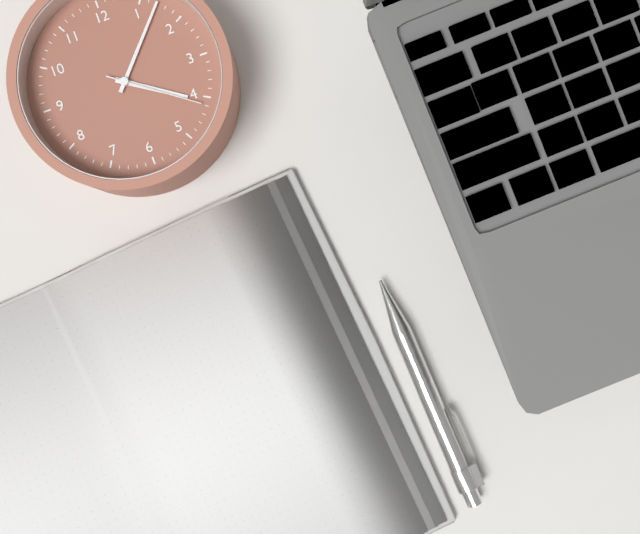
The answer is 4:07:21
